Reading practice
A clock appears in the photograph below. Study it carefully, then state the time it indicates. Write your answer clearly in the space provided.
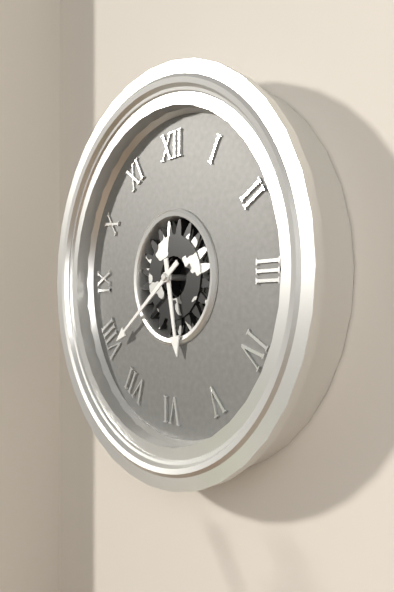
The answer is 5:39
